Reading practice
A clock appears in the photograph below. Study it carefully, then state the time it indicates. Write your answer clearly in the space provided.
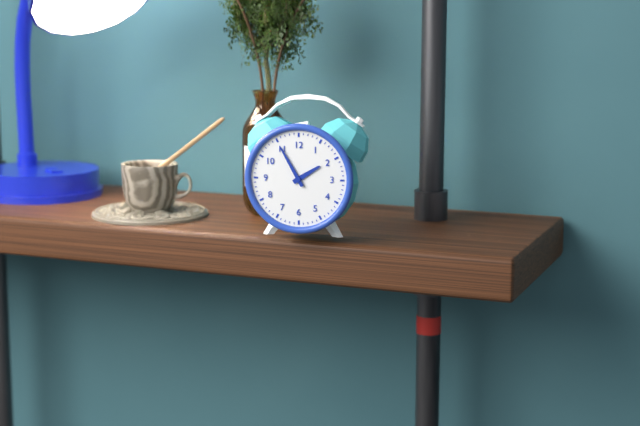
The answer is 1:55
